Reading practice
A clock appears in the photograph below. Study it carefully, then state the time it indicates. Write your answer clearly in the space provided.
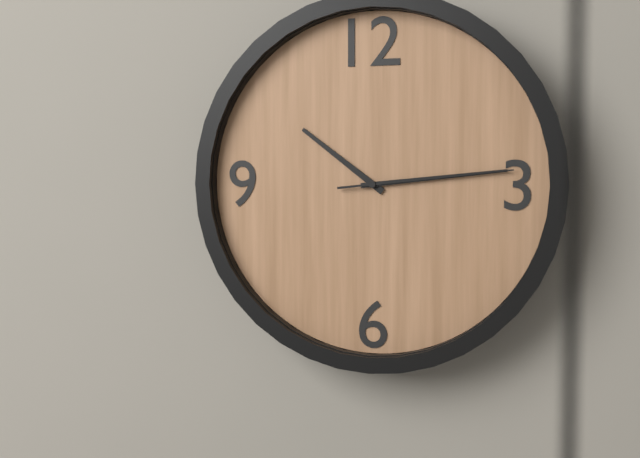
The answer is 10:14:14
